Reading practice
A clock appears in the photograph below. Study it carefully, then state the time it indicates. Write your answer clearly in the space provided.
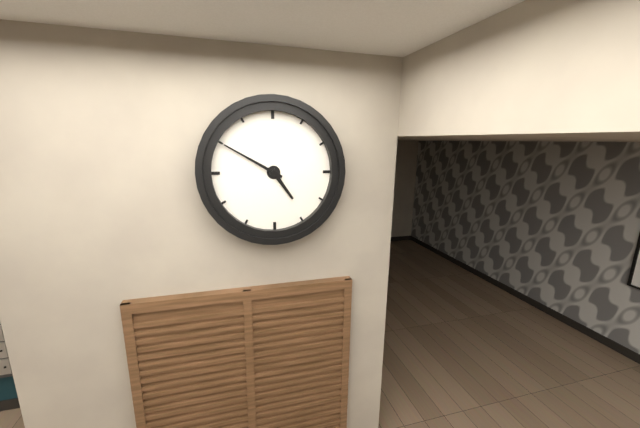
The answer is 4:50
